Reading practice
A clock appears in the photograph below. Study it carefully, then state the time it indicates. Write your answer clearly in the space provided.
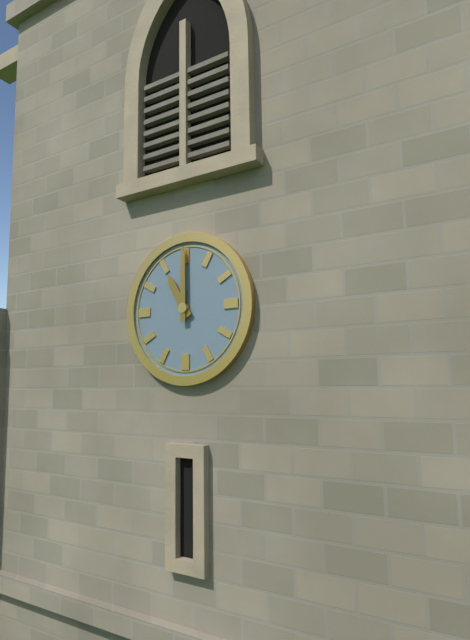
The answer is 11:00
